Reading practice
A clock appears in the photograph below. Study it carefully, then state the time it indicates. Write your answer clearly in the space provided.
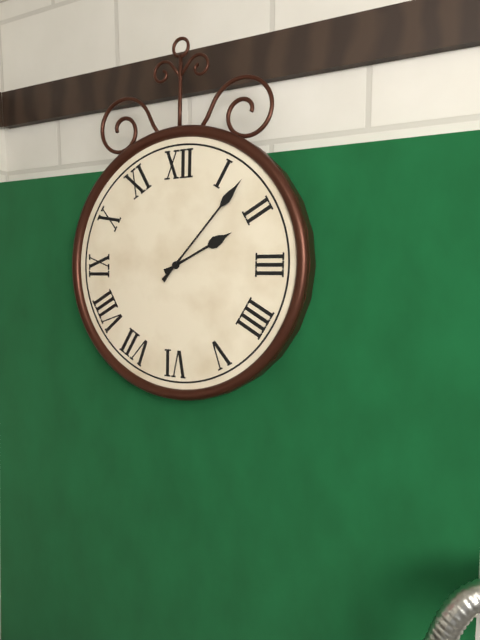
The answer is 2:07
